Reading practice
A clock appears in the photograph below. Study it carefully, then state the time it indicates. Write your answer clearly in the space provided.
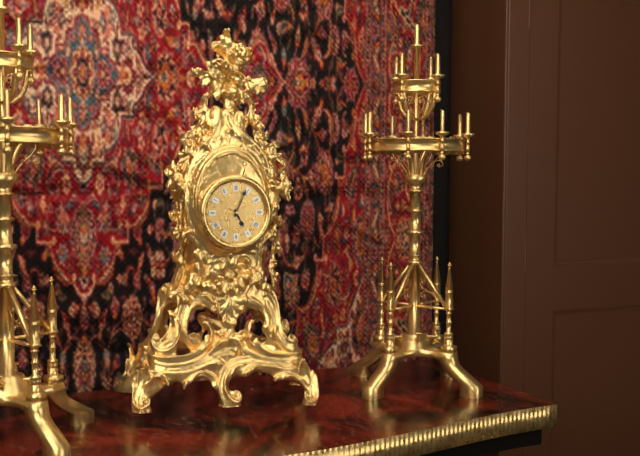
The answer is 5:04
